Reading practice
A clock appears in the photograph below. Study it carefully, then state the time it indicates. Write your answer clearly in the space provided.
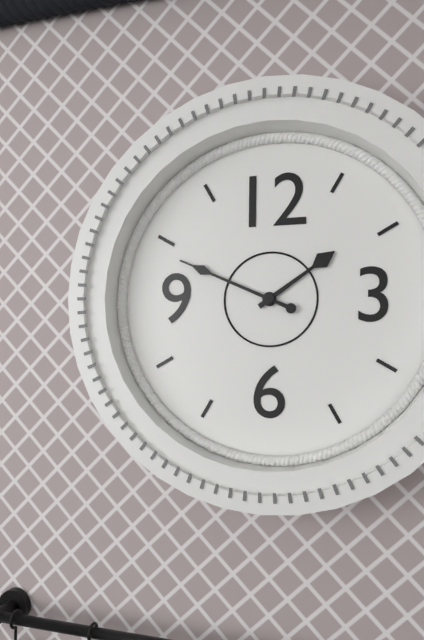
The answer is 1:49
